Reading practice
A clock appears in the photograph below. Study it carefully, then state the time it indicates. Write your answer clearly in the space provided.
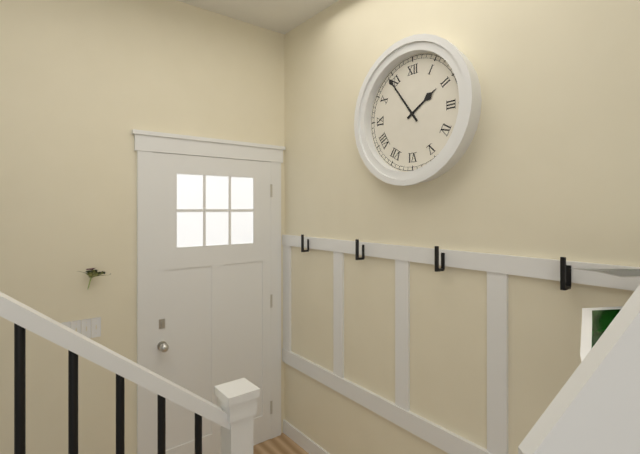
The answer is 1:54
